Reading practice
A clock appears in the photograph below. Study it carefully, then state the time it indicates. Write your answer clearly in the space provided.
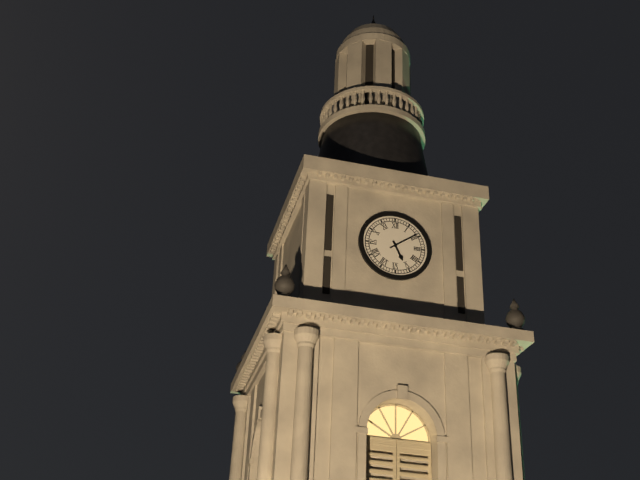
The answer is 5:09
